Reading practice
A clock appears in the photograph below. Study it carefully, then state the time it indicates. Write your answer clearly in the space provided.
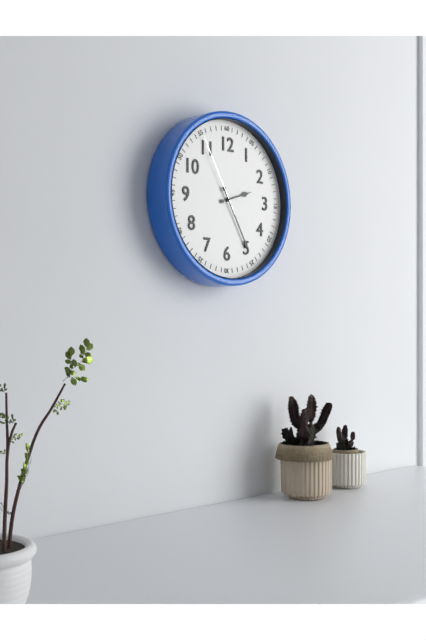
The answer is 2:25:55
